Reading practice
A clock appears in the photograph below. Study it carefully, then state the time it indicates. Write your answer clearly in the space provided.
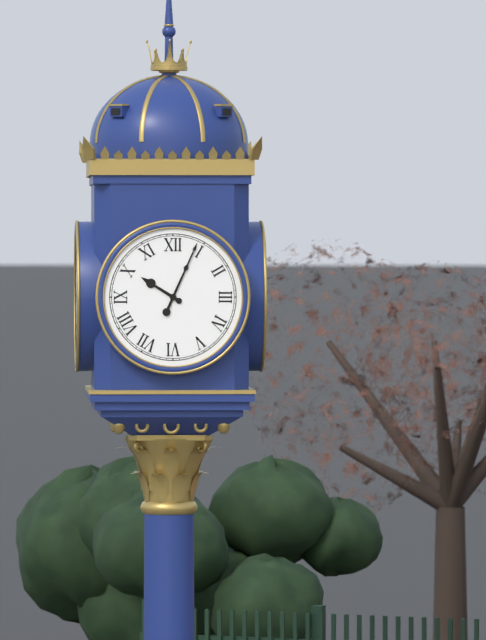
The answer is 10:04
